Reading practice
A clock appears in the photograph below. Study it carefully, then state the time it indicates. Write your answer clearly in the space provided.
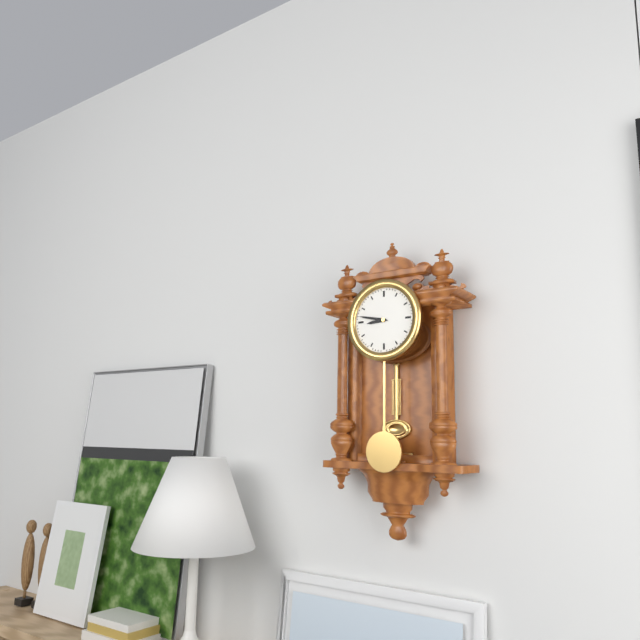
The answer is 8:47
